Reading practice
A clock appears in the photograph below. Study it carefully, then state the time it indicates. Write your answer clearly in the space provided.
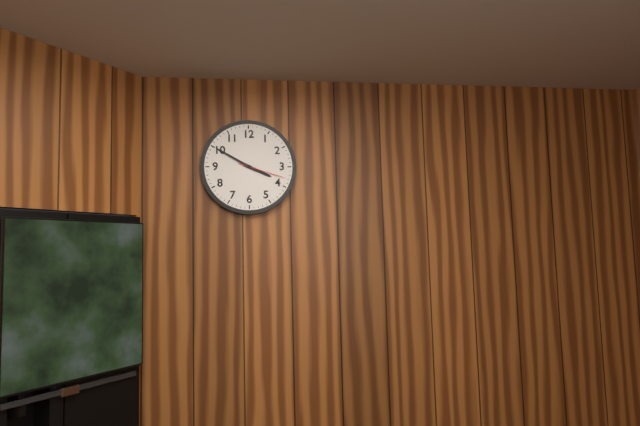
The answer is 3:50
